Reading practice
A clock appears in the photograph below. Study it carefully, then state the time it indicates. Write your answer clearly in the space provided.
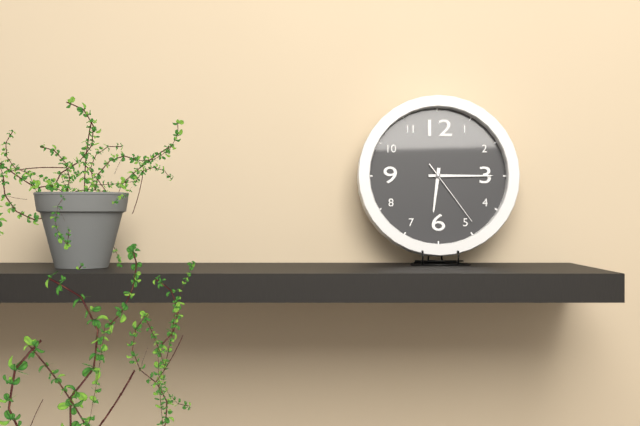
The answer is 6:15:24
